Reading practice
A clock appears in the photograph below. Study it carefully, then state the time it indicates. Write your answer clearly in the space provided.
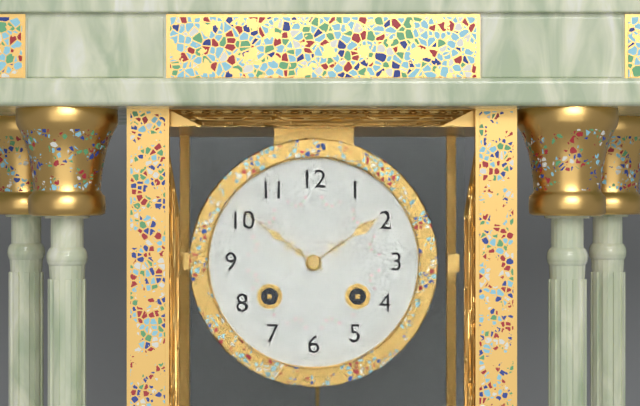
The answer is 1:51
